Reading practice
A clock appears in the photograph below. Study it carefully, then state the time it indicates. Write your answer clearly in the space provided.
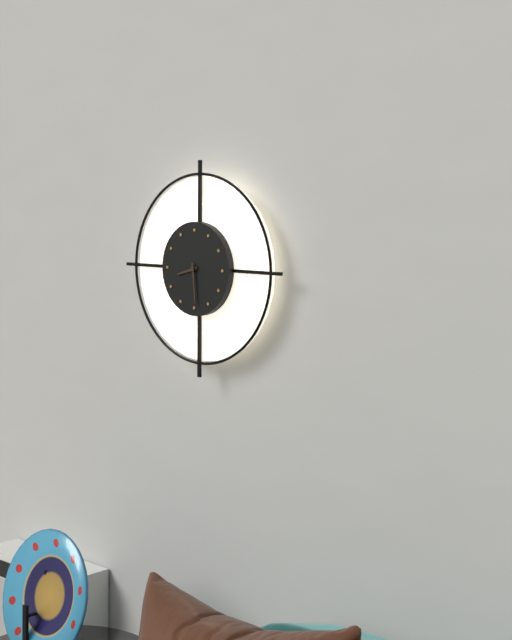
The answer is 8:29
